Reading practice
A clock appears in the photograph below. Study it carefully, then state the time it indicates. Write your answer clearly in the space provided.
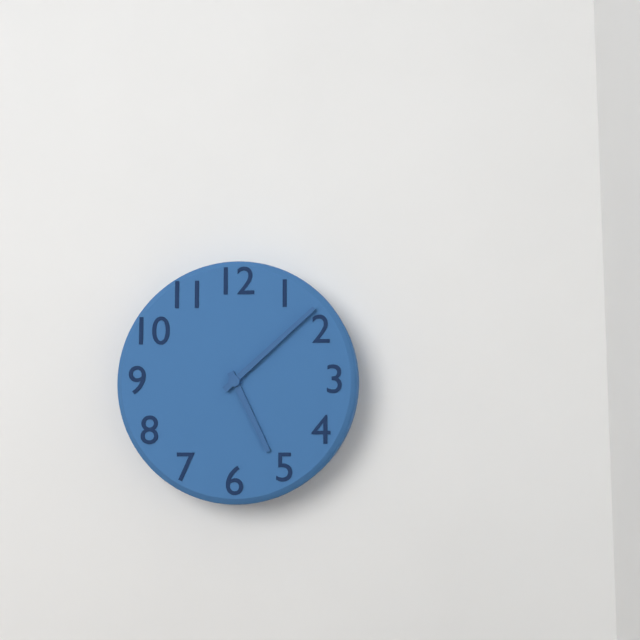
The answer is 5:08
